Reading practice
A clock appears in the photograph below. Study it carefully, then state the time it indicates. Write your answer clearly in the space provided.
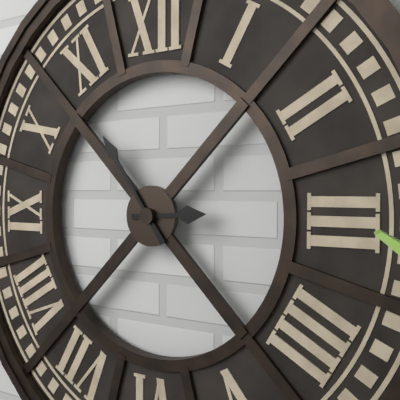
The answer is 2:54
